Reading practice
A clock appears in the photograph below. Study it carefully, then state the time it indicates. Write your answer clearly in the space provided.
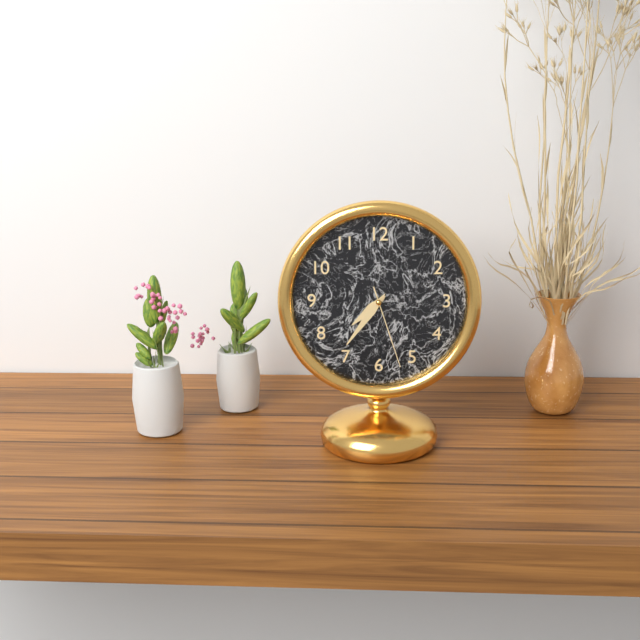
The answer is 7:36:27
